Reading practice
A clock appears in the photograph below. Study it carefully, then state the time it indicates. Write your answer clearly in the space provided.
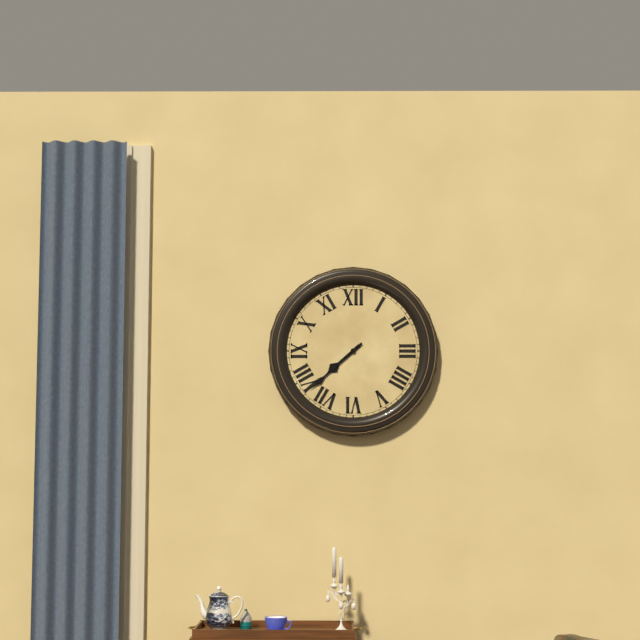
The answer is 7:38
